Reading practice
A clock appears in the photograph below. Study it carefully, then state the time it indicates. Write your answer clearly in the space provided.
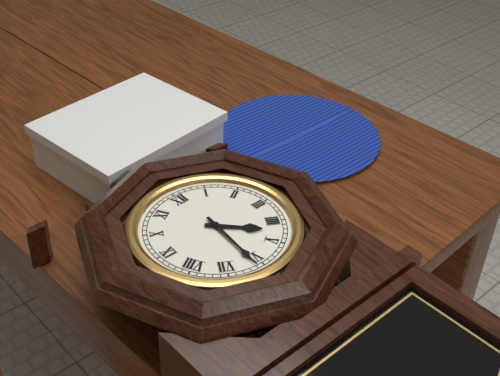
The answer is 4:31
